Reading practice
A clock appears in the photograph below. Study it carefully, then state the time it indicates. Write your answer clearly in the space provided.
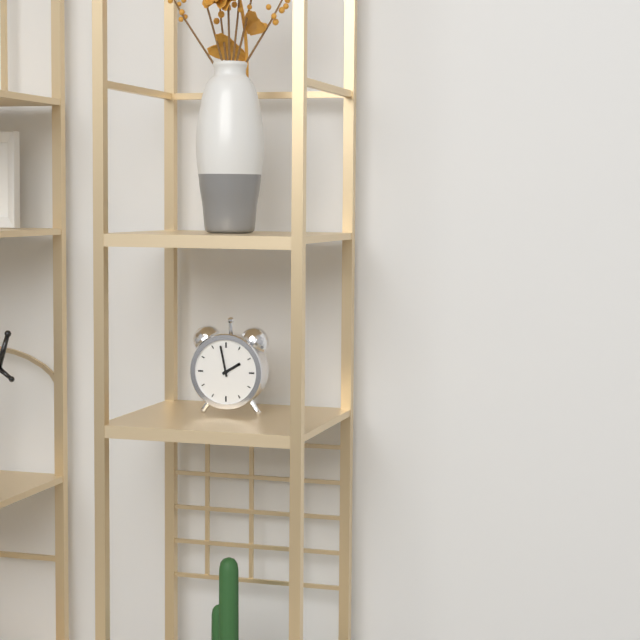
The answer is 1:58
